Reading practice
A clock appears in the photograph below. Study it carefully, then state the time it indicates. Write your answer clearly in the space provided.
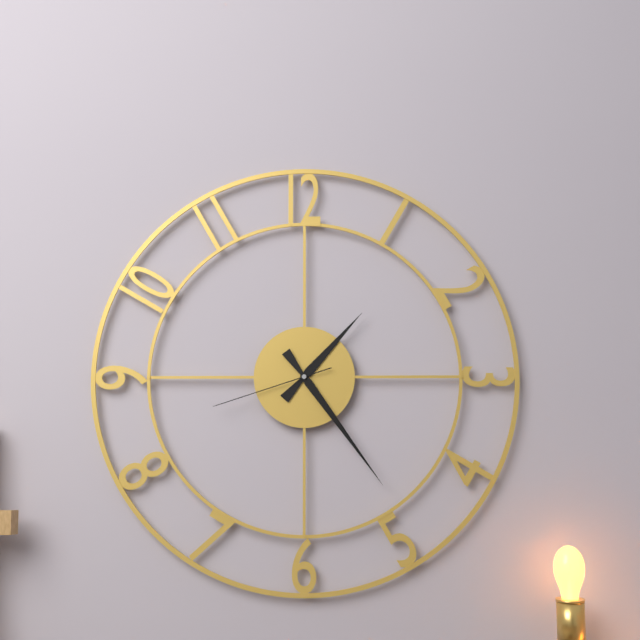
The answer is 1:24:42
